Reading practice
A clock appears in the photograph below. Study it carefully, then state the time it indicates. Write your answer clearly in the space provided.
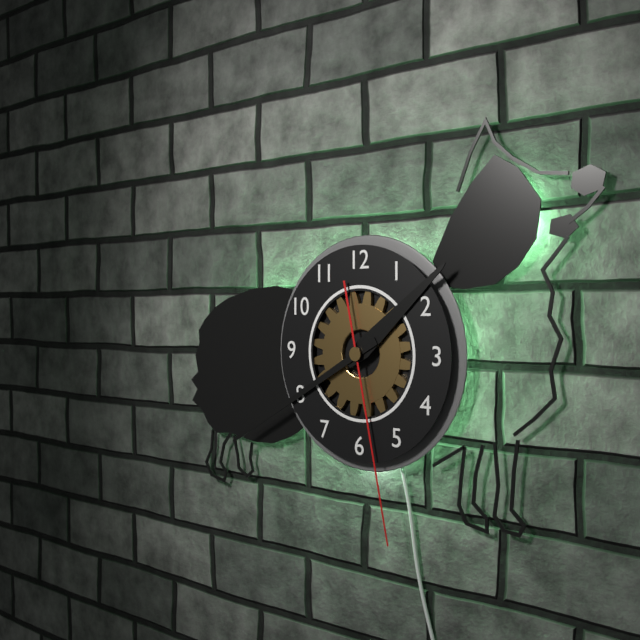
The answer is 1:40:28
